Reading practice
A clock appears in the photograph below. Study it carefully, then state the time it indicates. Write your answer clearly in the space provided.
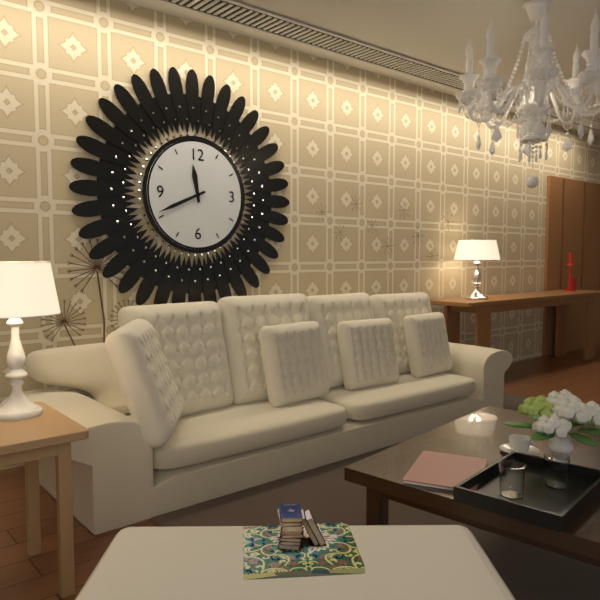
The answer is 11:41
